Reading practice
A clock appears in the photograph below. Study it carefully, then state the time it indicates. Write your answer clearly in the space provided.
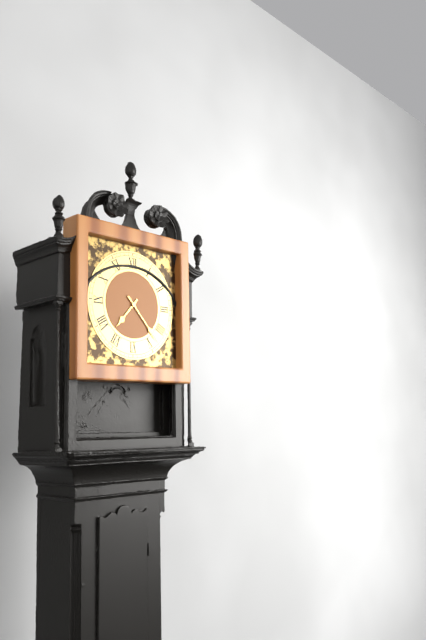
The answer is 7:23
